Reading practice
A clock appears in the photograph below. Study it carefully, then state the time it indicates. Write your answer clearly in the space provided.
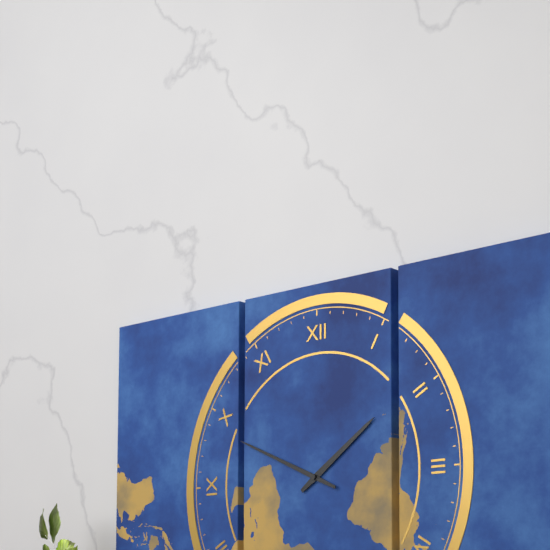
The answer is 1:49
